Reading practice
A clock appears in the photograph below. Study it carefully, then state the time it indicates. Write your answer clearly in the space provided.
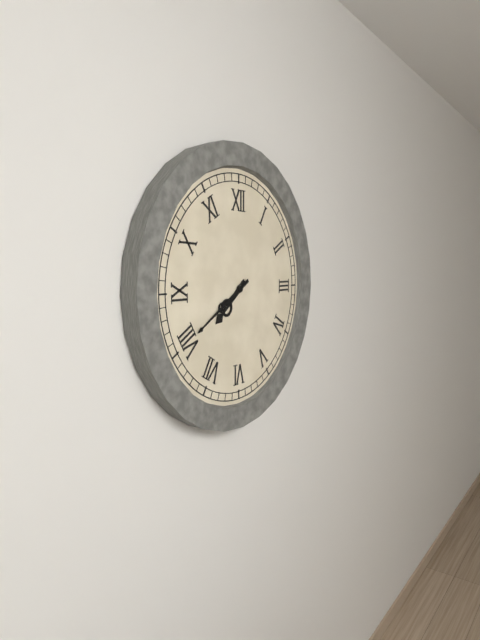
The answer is 7:40
